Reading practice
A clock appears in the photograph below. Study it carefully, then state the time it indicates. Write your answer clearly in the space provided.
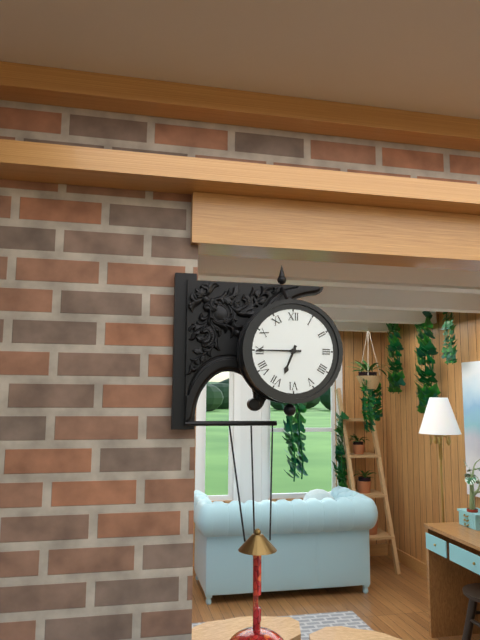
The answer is 6:45
